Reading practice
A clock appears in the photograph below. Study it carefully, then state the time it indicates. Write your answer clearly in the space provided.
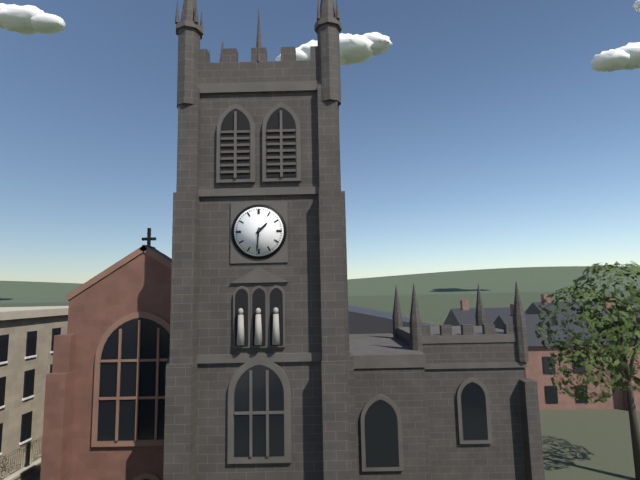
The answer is 1:31
